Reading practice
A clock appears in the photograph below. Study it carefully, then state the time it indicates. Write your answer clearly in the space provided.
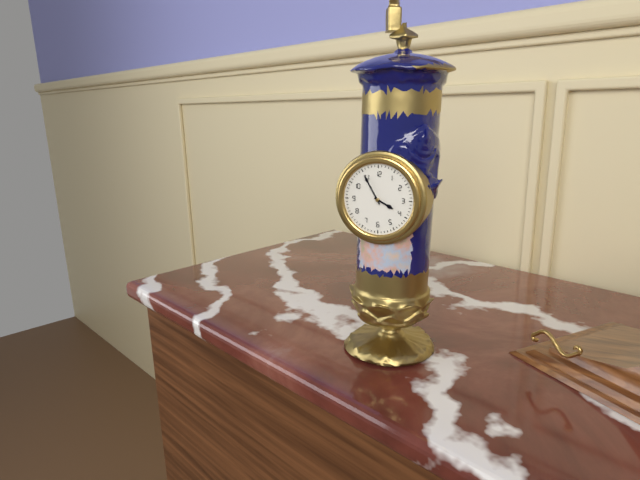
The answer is 3:55
